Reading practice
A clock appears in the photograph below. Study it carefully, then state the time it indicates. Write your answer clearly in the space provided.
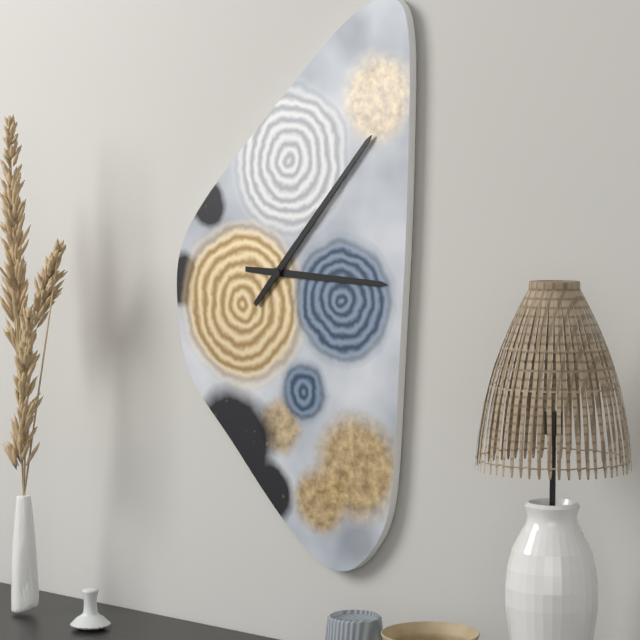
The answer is 3:07
